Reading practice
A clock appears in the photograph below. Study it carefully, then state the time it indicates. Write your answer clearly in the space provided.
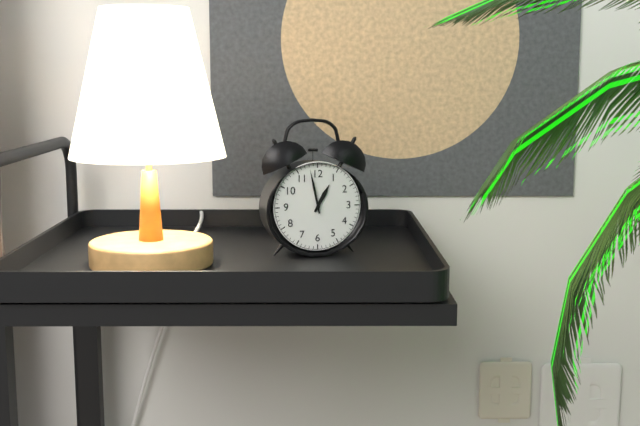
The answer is 12:58
